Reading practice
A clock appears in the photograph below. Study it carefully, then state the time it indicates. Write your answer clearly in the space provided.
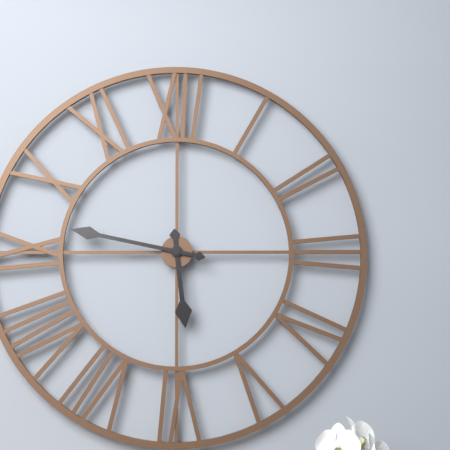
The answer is 5:47
